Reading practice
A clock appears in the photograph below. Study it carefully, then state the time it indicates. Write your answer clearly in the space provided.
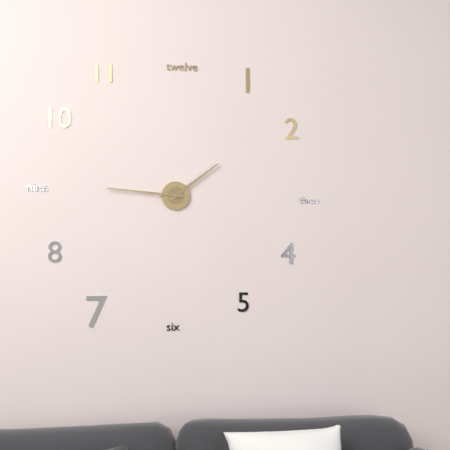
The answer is 1:46
